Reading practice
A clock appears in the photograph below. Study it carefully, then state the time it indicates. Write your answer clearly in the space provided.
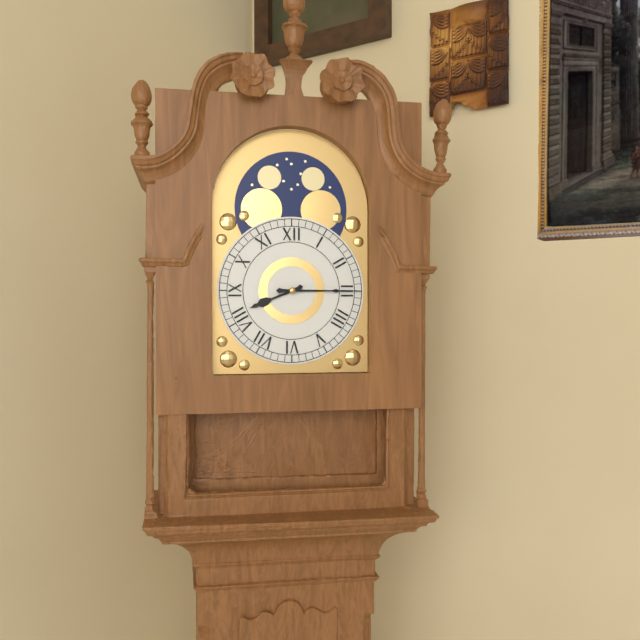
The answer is 8:15
